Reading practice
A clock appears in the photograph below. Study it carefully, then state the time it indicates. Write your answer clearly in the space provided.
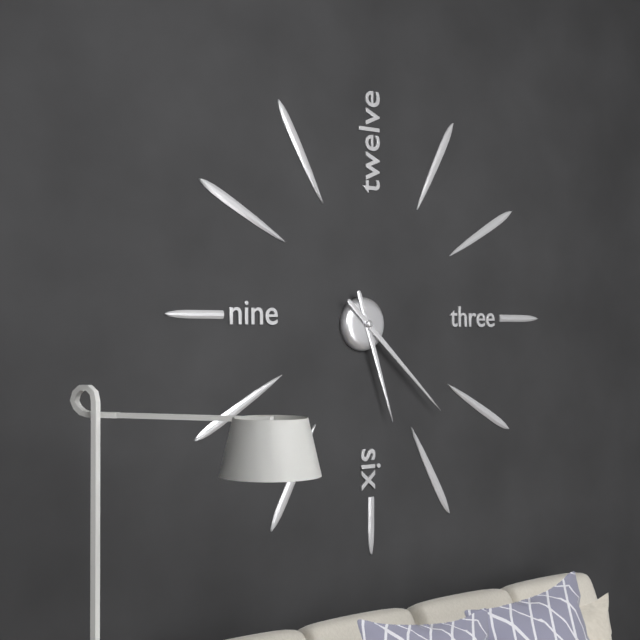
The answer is 5:22
